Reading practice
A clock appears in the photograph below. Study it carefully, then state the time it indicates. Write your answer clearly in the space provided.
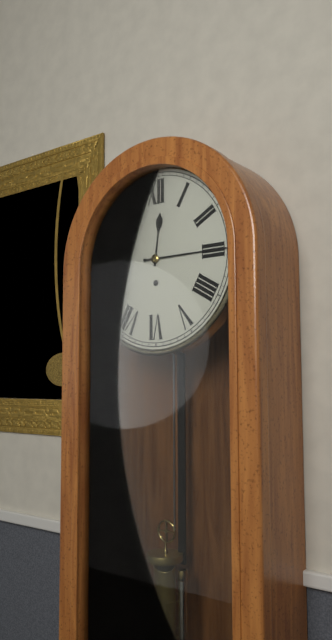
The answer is 12:15
